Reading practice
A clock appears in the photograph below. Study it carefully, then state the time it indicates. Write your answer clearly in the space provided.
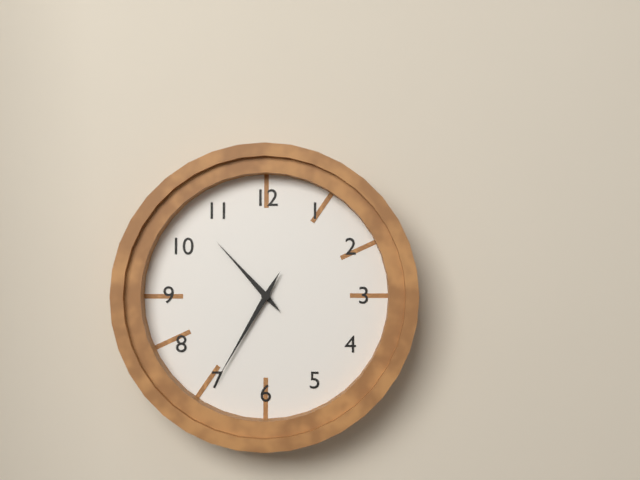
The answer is 10:35
